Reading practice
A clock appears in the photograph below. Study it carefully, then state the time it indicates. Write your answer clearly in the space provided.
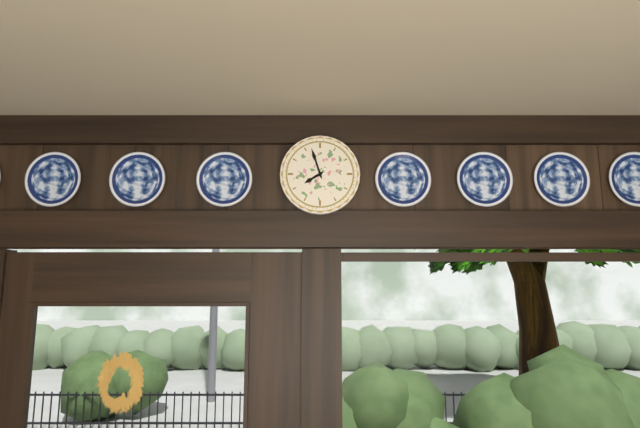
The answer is 7:57
